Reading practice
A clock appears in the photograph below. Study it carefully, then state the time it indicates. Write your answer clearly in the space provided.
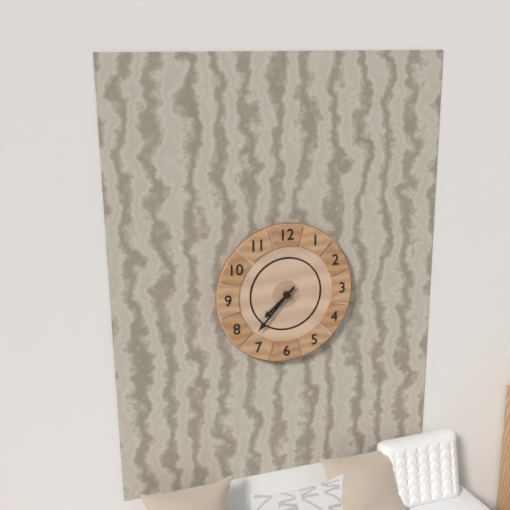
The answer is 7:37
